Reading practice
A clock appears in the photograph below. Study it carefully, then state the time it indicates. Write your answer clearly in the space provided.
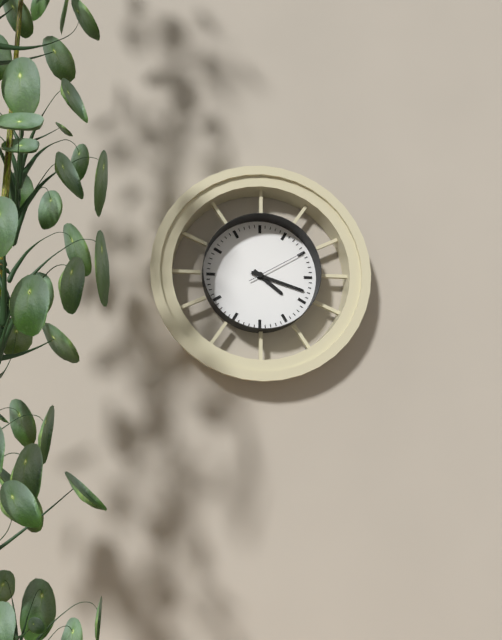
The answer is 4:18:10
